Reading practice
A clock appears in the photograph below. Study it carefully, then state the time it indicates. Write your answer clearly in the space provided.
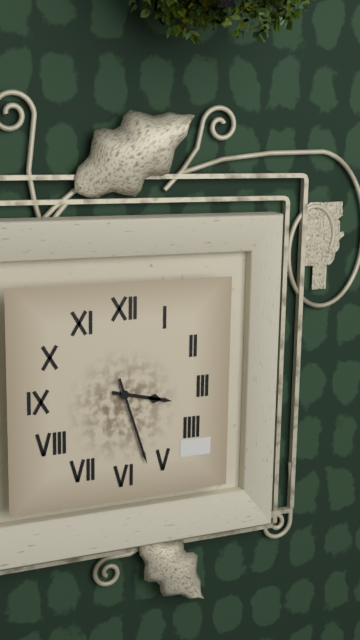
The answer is 3:27
